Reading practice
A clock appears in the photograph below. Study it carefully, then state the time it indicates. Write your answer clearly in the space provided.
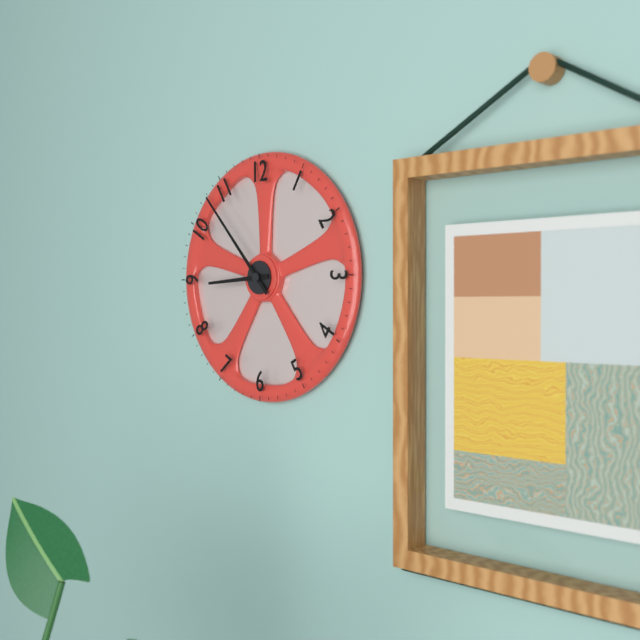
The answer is 8:53
